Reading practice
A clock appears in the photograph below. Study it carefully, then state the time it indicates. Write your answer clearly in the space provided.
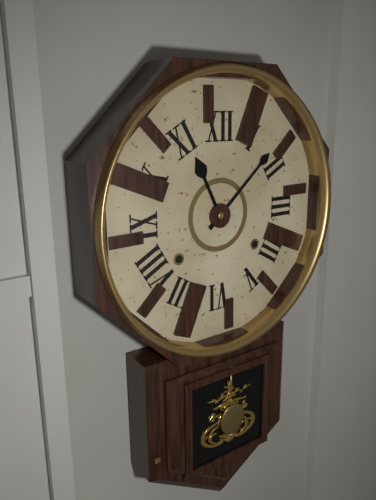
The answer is 11:08
